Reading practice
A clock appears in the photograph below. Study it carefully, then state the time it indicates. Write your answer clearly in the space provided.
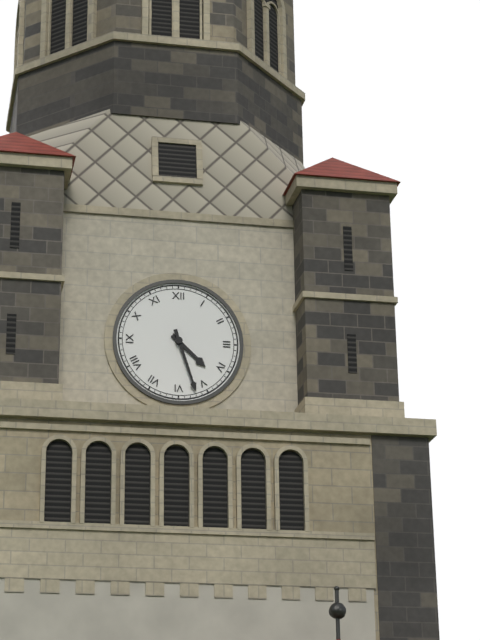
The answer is 4:27
